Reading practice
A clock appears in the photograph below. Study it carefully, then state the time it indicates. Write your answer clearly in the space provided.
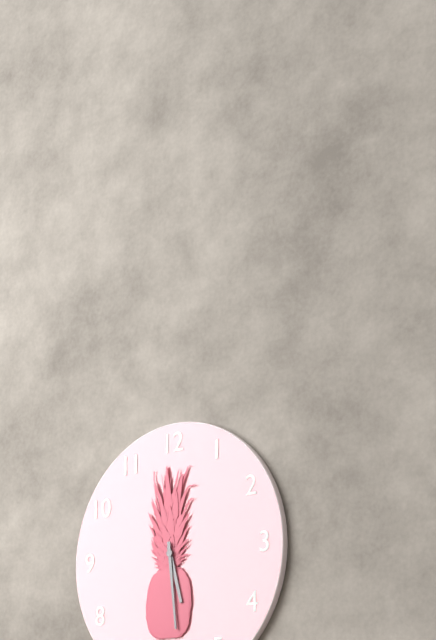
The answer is 5:29
